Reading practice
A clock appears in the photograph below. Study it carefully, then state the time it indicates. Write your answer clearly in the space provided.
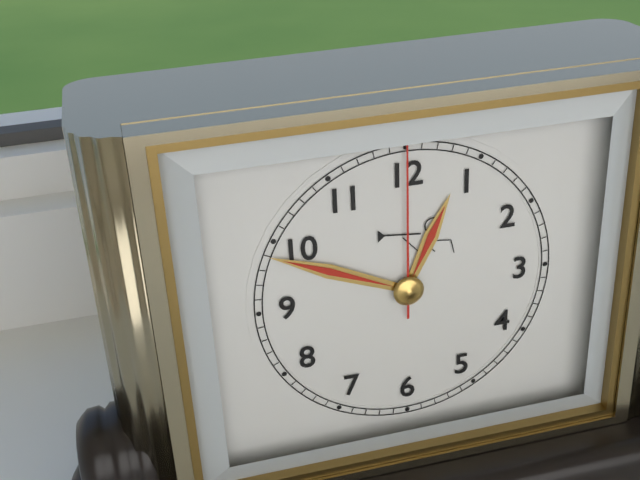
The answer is 12:49:00
